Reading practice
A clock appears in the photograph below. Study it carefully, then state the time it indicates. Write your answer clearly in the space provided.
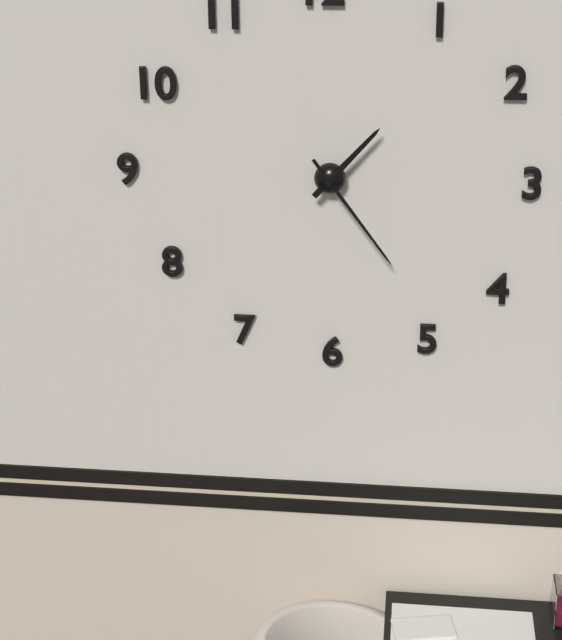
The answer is 1:24
